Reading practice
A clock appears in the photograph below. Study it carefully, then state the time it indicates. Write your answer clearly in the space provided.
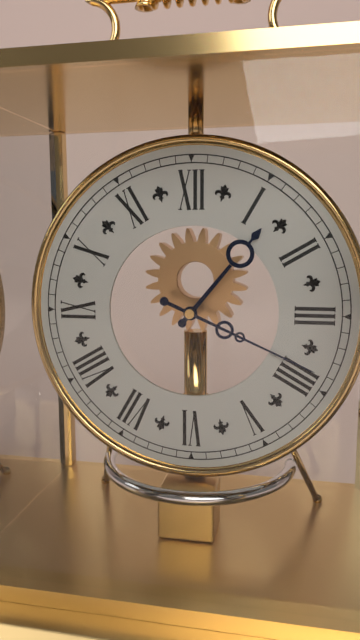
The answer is 1:19
